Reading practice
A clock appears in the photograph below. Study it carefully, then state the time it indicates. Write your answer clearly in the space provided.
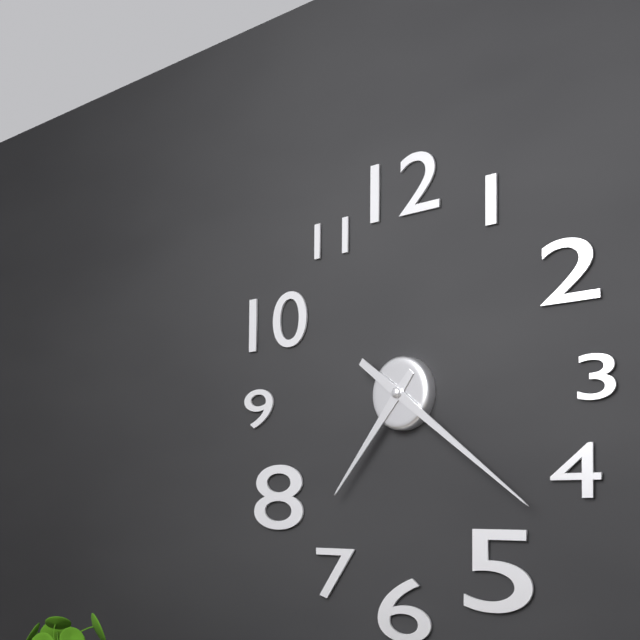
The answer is 7:21
